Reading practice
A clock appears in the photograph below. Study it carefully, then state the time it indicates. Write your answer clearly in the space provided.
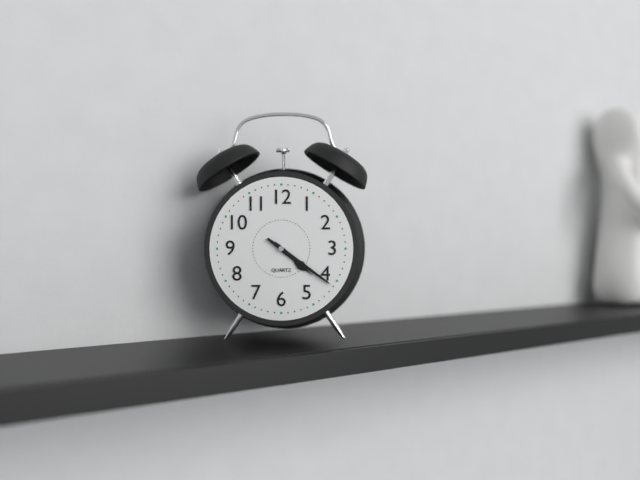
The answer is 4:21
